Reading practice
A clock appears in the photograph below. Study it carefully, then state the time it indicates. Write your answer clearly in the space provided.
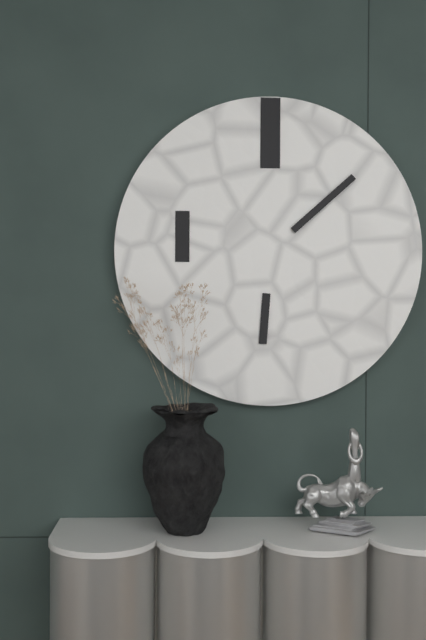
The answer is 6:08
